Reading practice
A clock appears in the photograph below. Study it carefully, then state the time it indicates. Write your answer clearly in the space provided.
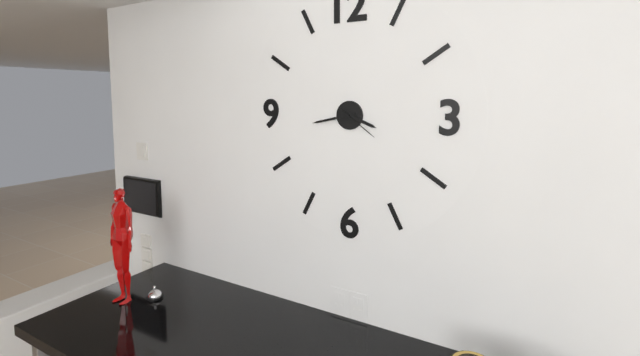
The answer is 3:43
